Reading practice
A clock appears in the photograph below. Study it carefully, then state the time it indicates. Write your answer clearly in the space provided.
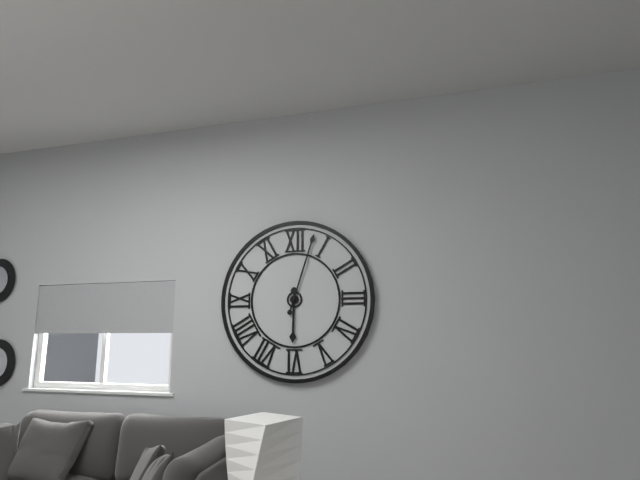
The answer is 6:03
